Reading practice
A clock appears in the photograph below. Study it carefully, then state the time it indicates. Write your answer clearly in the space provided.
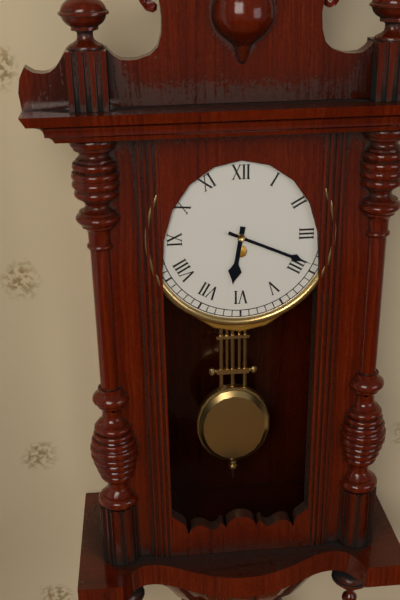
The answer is 6:19
